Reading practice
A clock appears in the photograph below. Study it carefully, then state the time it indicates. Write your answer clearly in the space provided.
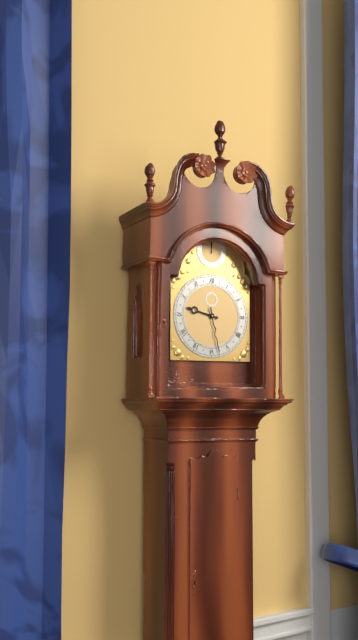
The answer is 9:28
